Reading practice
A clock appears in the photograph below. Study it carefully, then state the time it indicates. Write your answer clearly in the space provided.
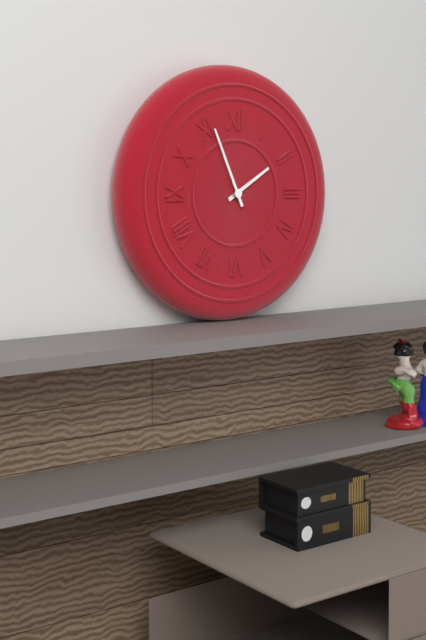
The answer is 1:56
